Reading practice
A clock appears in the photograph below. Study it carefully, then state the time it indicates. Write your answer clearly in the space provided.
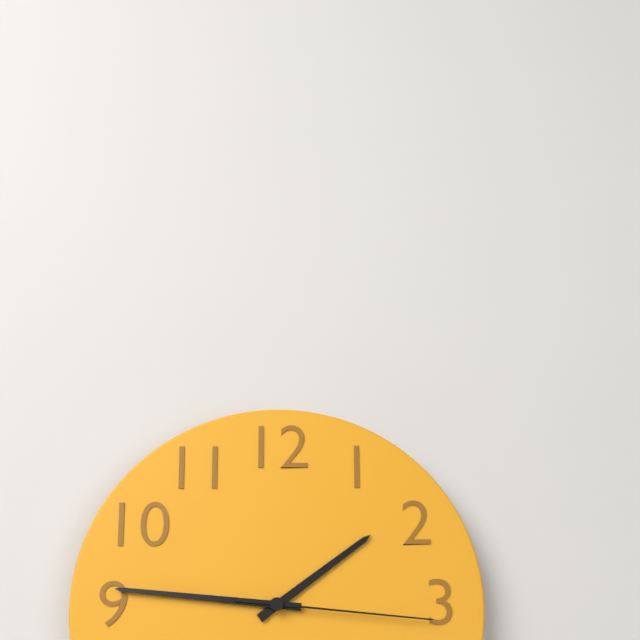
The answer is 1:46:16
